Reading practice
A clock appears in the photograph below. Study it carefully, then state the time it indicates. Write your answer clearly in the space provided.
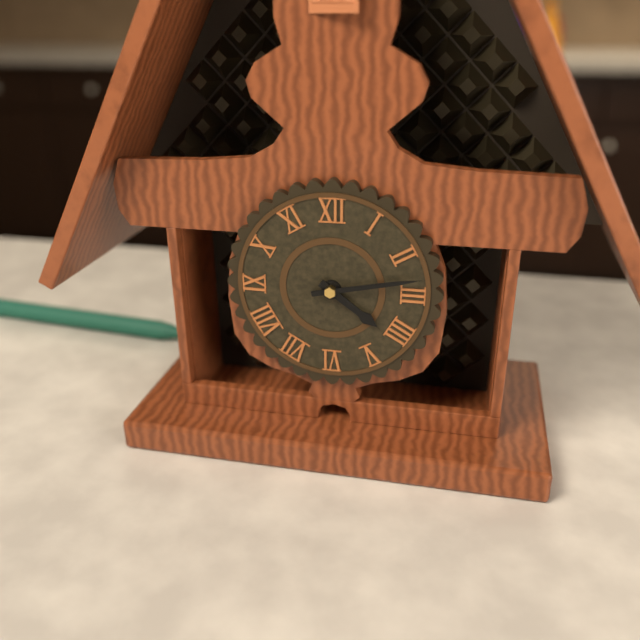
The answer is 4:13
